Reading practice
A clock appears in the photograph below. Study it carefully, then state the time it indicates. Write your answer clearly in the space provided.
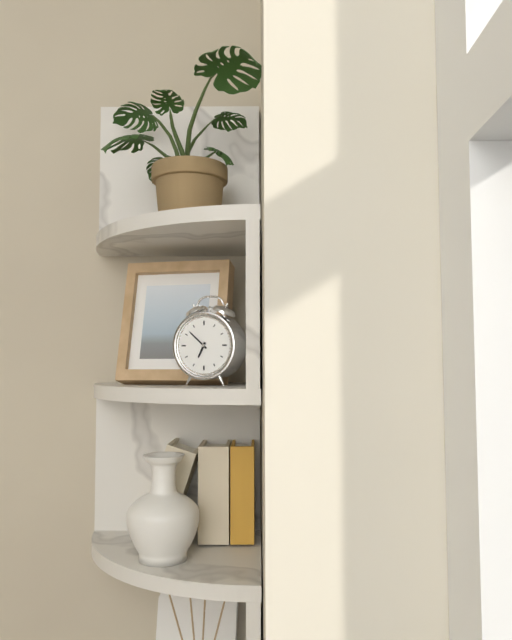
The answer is 6:52
